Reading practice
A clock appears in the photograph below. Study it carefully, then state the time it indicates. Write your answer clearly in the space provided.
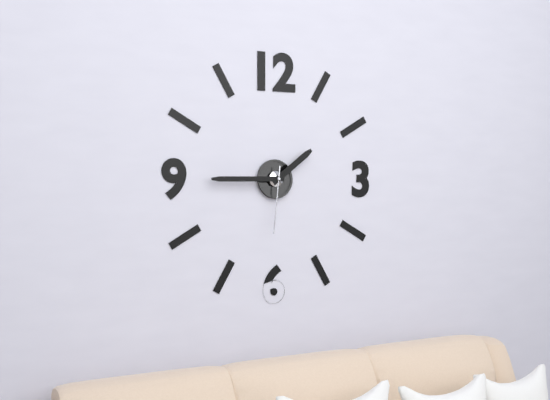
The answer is 1:45:31
